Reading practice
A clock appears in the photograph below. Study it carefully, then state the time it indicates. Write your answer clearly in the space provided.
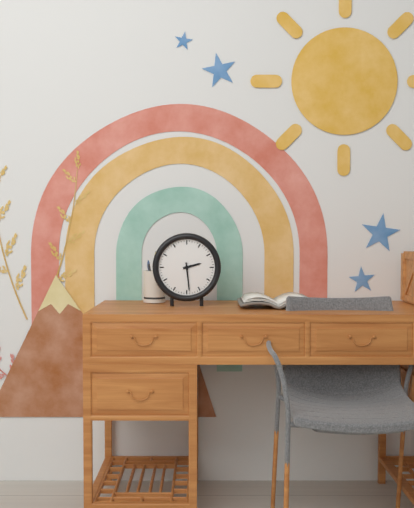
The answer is 2:29
